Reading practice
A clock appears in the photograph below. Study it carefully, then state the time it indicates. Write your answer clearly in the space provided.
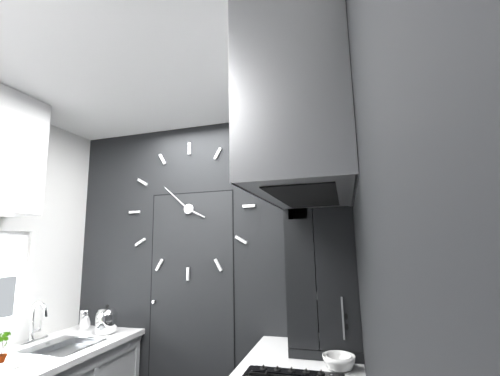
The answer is 3:52
